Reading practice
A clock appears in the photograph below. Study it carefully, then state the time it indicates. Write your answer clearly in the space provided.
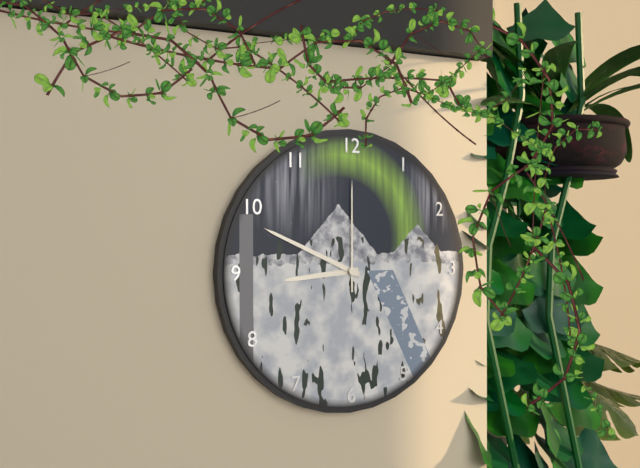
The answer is 8:49:00
